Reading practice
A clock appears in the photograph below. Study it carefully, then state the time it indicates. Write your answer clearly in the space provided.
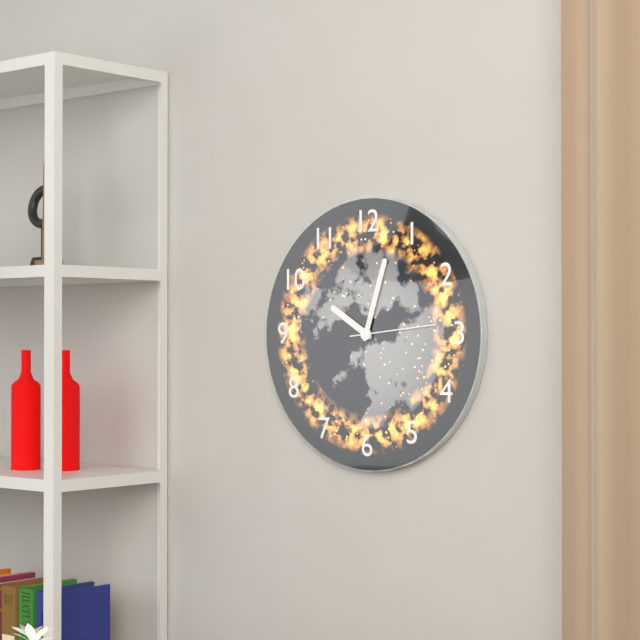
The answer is 10:03:14
